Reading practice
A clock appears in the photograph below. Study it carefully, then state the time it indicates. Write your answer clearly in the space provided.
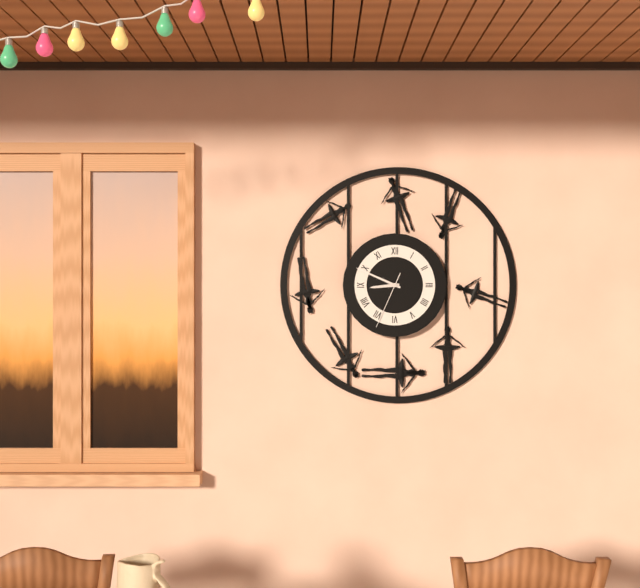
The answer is 8:49:34
